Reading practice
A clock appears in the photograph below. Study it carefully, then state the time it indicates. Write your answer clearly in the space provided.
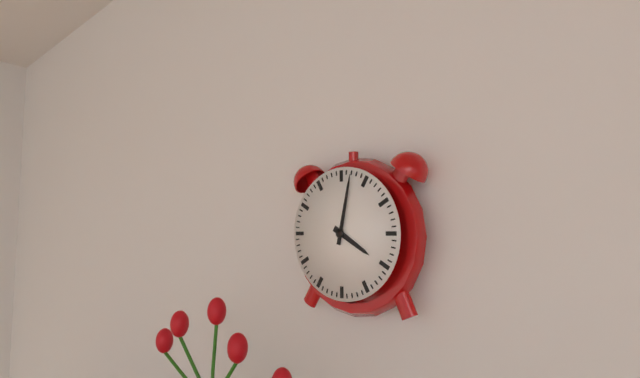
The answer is 4:02
